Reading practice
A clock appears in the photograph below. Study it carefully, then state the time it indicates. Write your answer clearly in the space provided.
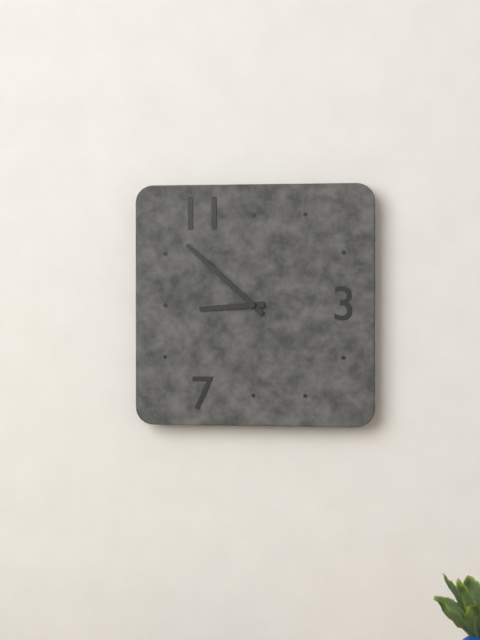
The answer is 8:52
